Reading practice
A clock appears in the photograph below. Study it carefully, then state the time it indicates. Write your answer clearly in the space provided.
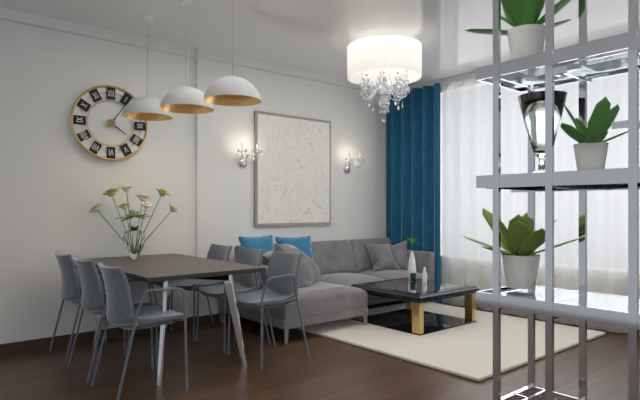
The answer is 4:06
